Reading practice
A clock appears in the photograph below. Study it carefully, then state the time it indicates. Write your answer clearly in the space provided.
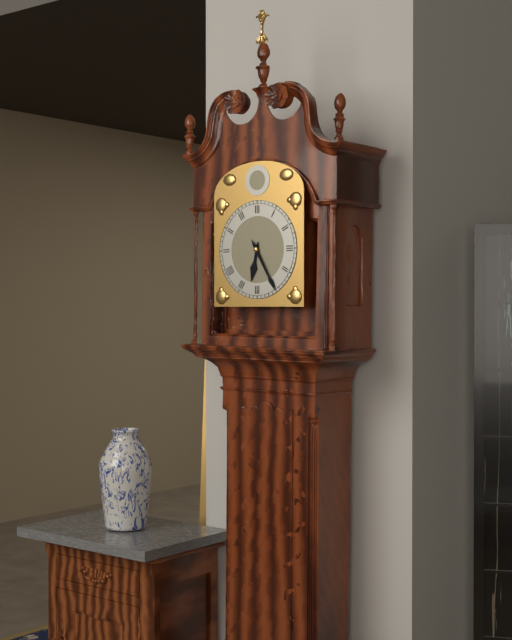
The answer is 6:25
